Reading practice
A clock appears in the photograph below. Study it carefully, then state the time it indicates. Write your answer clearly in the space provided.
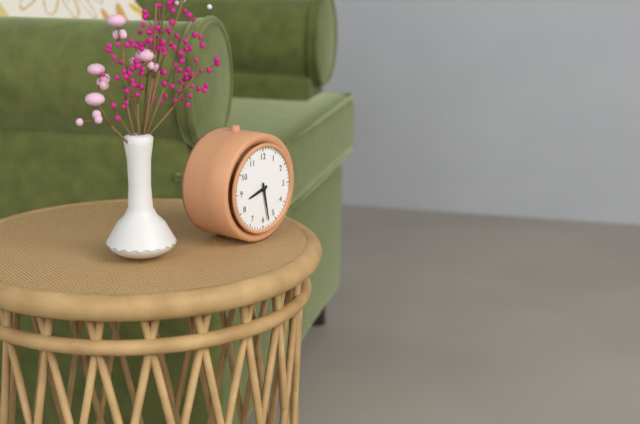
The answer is 8:28
